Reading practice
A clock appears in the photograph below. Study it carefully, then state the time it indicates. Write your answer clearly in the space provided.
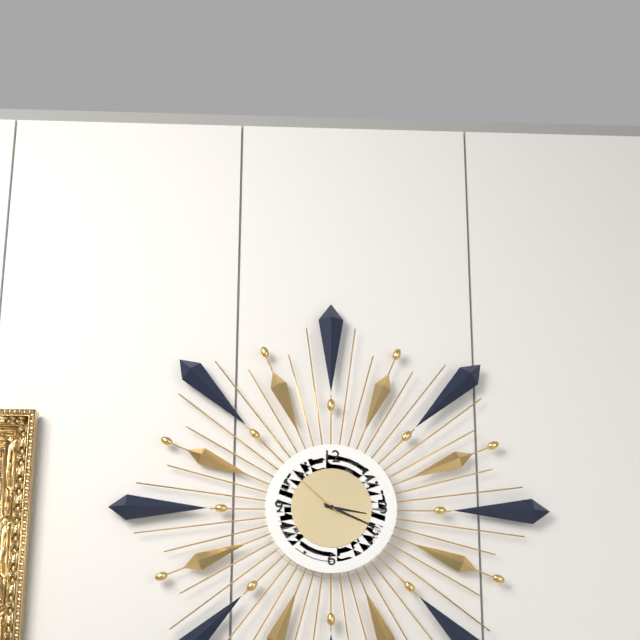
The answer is 3:19:52
